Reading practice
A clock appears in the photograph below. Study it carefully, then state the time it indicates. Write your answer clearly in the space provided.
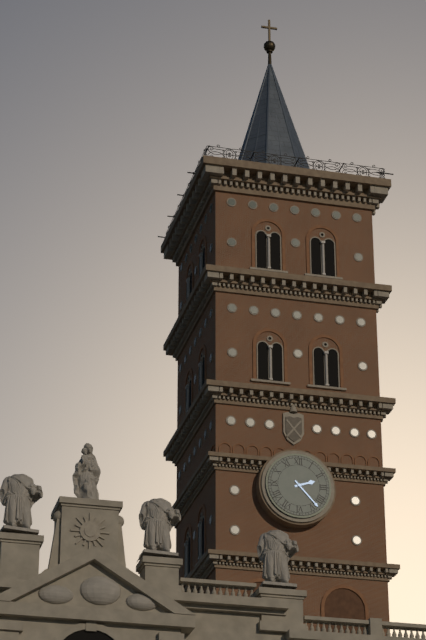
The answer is 2:23
